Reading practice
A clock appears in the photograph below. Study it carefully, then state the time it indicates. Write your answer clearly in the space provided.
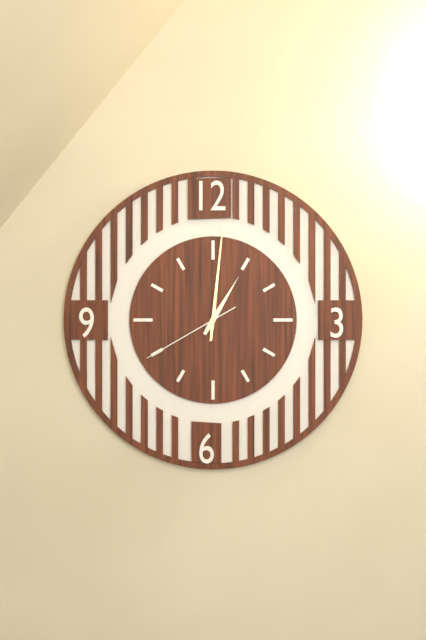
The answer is 1:01:40
